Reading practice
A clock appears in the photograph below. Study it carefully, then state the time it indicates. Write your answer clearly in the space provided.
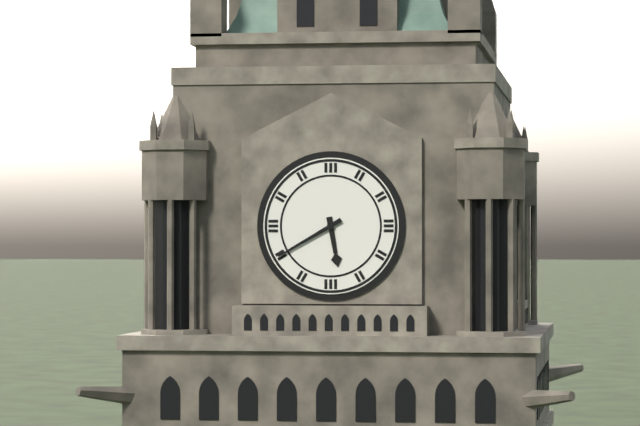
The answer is 5:40
